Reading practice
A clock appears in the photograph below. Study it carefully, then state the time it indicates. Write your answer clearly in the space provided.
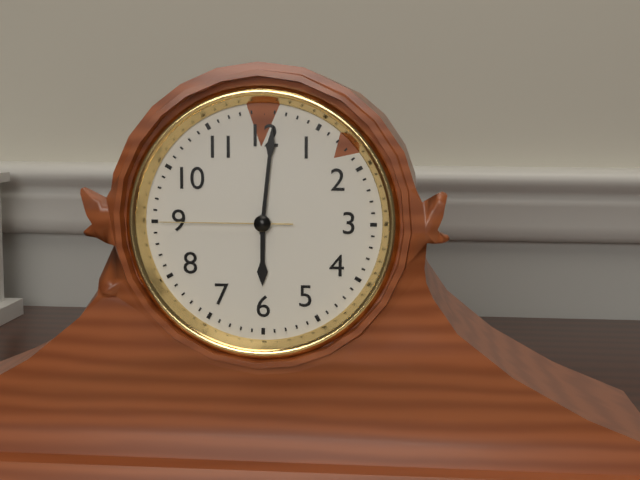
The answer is 6:01:45
